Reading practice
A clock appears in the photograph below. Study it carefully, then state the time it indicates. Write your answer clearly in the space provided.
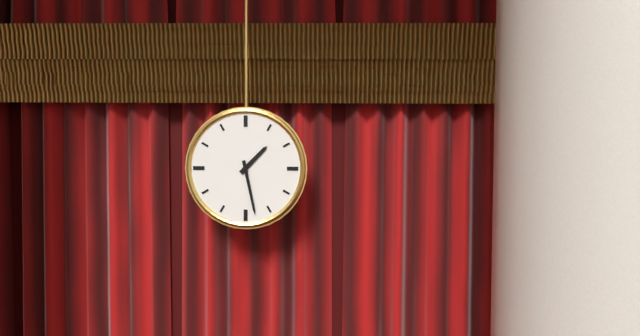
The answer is 1:28
